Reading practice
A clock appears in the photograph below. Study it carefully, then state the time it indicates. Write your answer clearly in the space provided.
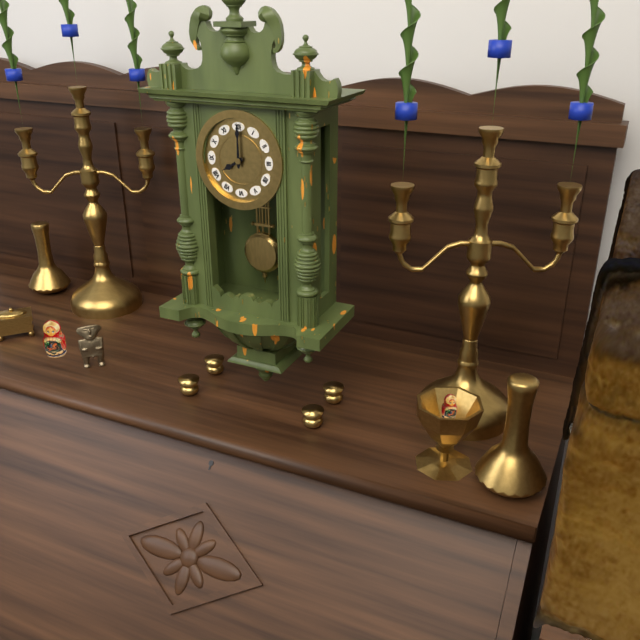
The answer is 8:00
